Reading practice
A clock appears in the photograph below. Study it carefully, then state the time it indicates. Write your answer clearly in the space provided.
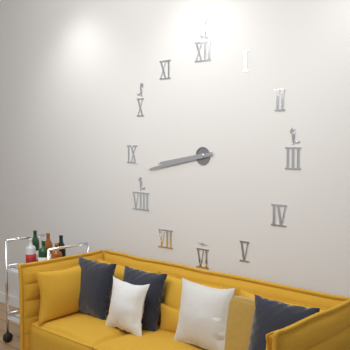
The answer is 8:43
